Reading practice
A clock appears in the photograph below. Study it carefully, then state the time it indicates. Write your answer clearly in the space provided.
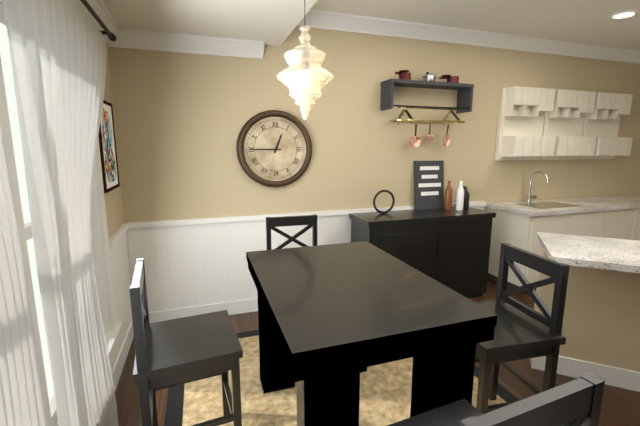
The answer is 12:45
